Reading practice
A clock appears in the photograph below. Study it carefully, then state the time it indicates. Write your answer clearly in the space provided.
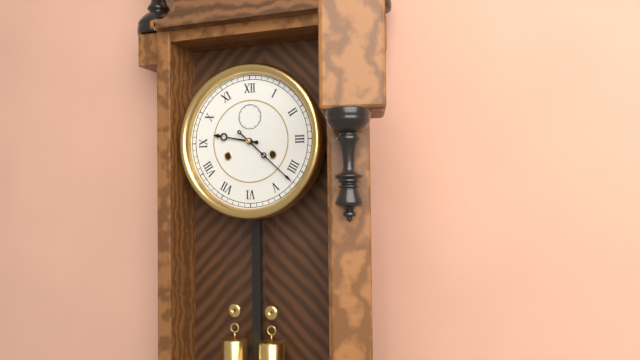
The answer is 9:22
